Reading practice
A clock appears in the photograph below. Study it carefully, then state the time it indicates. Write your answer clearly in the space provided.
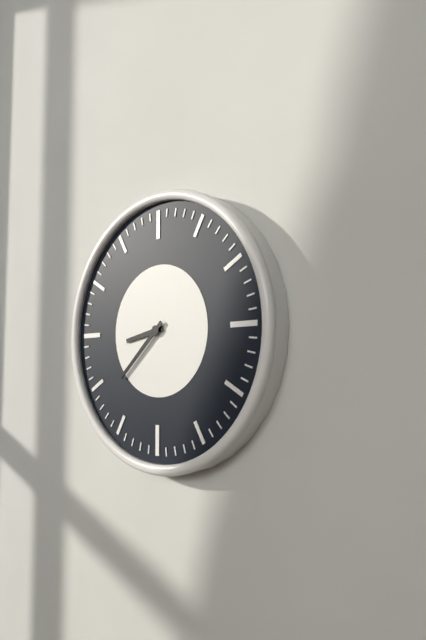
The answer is 8:38
